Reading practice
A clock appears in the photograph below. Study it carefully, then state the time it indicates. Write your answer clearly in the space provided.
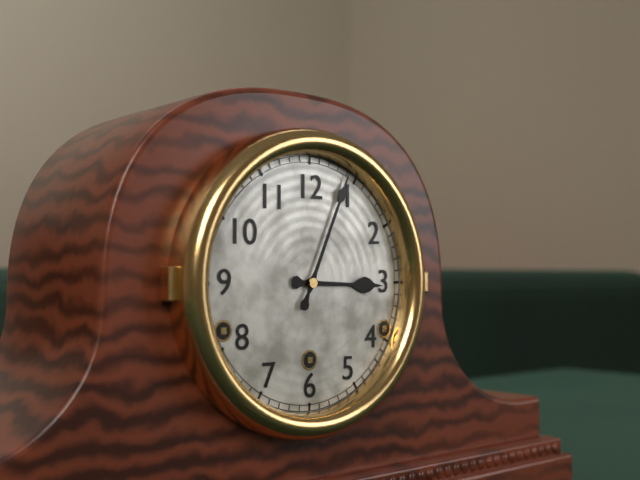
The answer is 3:04
